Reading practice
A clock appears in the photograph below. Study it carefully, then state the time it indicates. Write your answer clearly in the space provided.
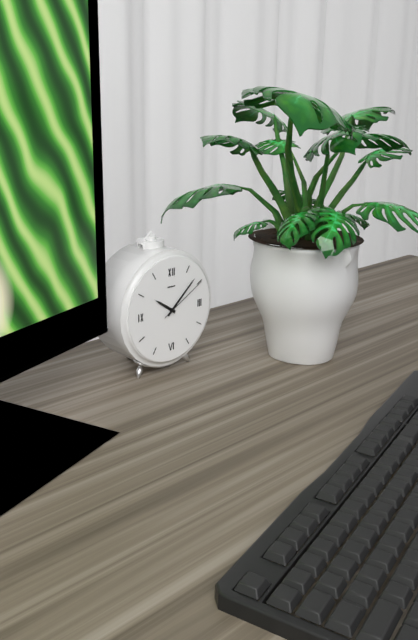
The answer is 10:08:10
